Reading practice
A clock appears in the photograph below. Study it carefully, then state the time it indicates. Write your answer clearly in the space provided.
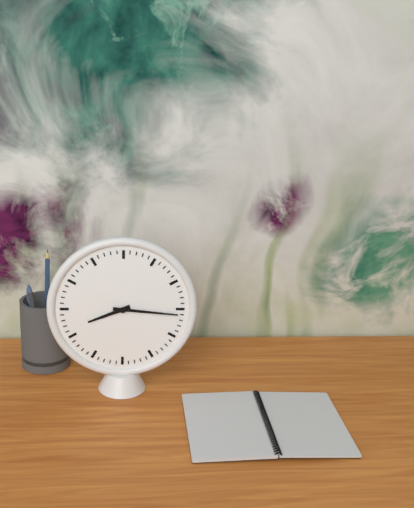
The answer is 8:16
